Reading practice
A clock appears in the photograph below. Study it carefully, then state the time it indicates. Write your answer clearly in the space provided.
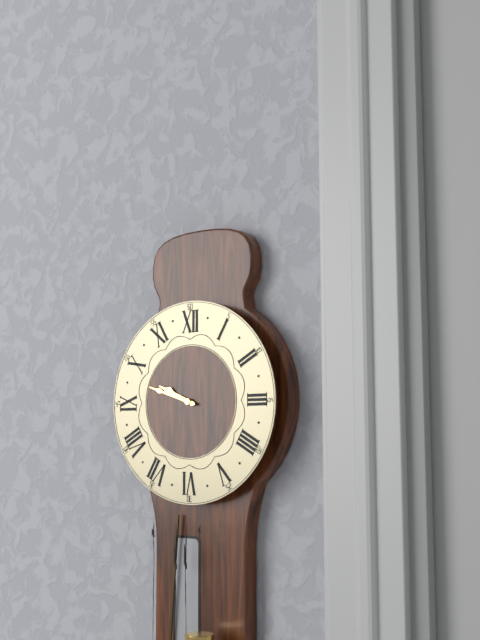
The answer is 9:48
